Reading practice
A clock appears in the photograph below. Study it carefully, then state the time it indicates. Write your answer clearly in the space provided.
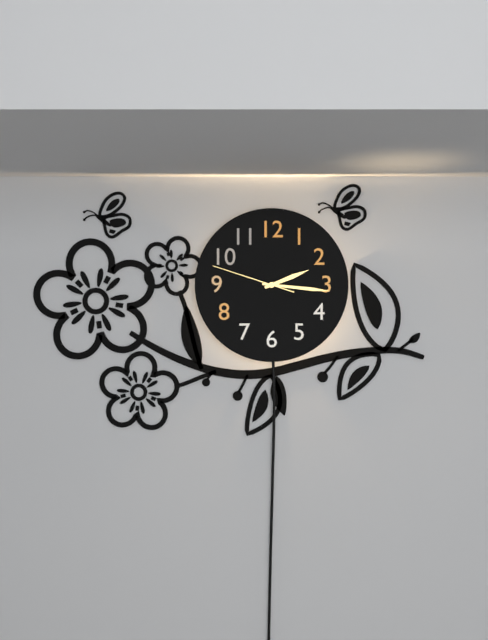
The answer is 2:16:48
